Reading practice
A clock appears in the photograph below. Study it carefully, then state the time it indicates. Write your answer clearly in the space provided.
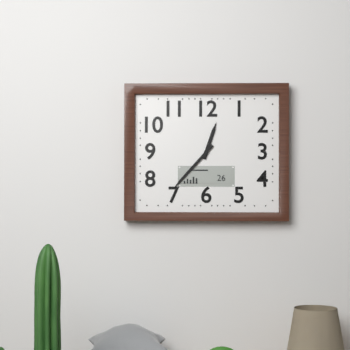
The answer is 12:37
